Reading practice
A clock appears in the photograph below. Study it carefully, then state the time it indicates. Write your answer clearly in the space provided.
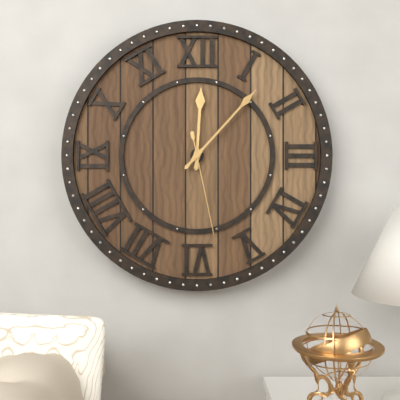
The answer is 12:07:28
